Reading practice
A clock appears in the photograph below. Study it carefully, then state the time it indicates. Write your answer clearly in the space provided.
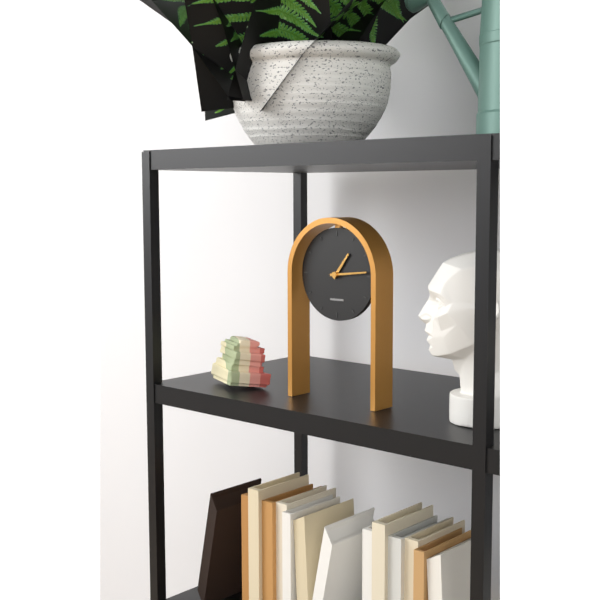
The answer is 1:14
